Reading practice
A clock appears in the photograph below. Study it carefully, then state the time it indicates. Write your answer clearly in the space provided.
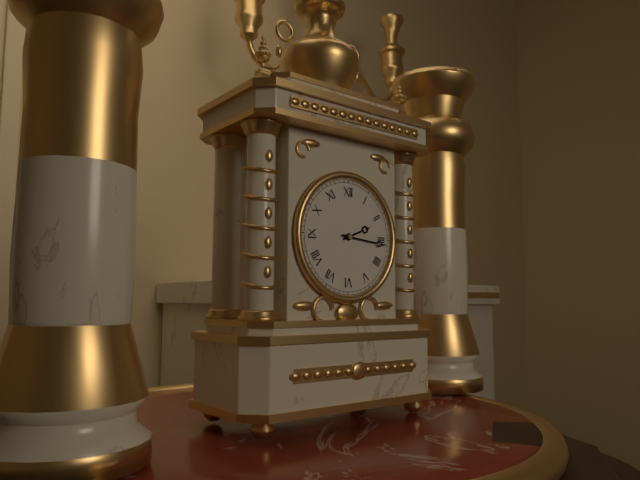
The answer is 2:16
